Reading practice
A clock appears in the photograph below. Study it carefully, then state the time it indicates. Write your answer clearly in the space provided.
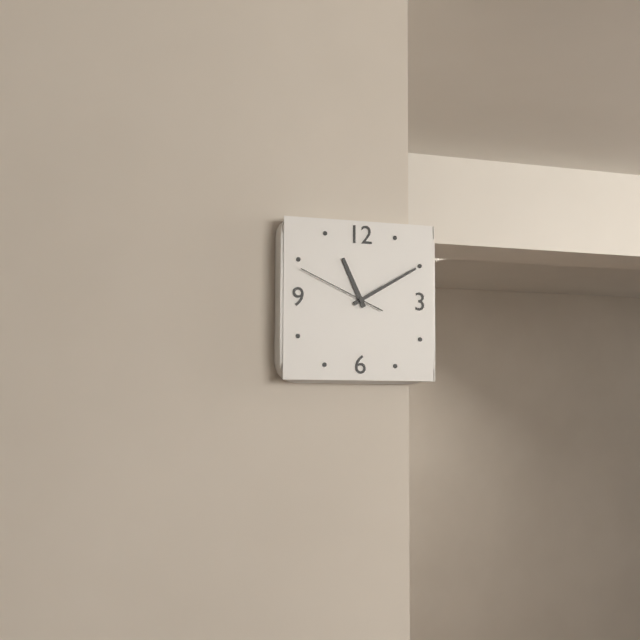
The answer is 11:10:49
